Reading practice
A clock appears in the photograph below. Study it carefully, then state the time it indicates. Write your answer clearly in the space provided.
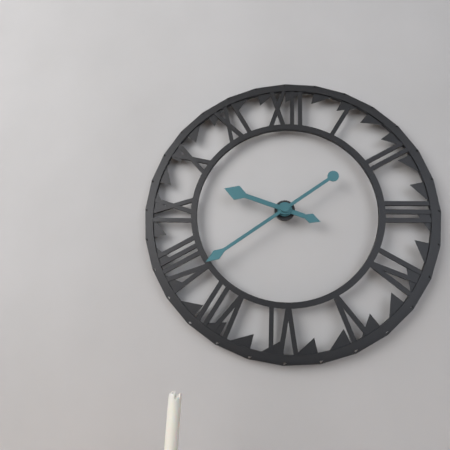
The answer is 9:39
